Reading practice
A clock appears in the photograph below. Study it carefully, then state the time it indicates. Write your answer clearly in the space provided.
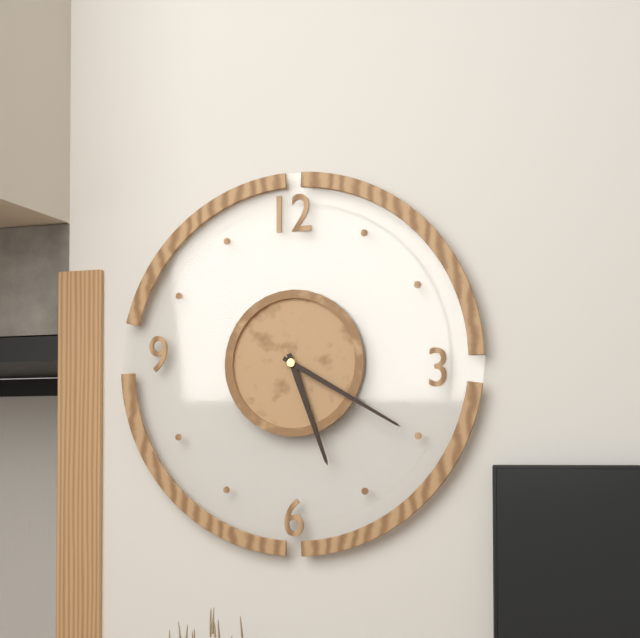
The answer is 5:20
